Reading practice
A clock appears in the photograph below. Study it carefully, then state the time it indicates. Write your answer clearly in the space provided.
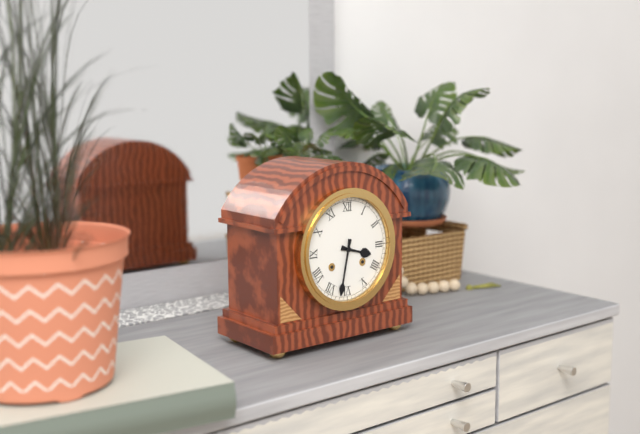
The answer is 3:32
